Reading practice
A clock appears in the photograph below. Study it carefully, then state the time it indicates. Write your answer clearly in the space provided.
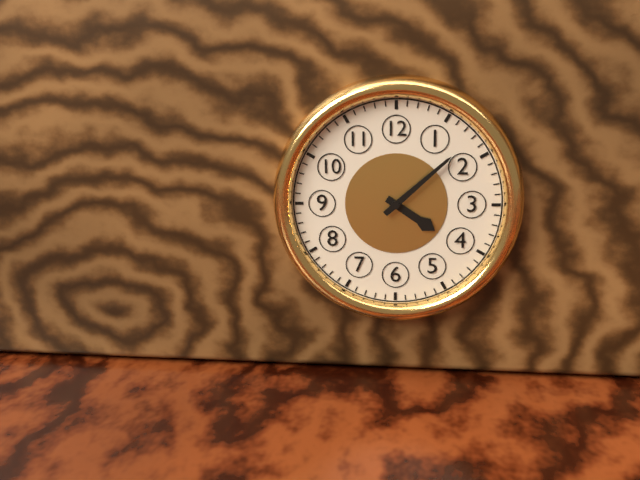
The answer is 4:08
